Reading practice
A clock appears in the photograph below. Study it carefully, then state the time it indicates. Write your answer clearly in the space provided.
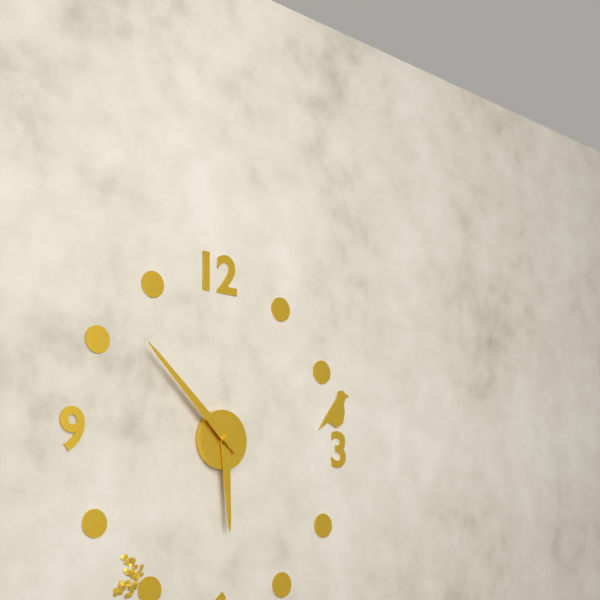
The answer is 5:52
